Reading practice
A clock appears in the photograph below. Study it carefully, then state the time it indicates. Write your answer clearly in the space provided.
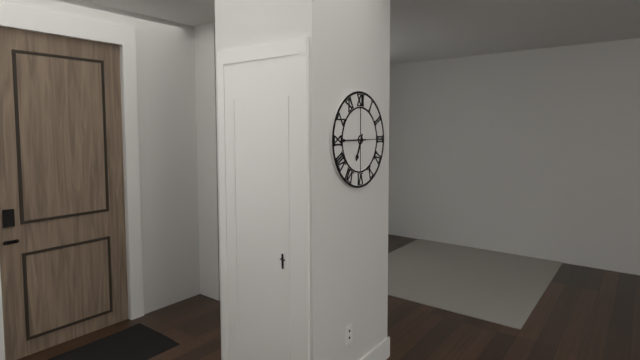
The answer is 6:45
